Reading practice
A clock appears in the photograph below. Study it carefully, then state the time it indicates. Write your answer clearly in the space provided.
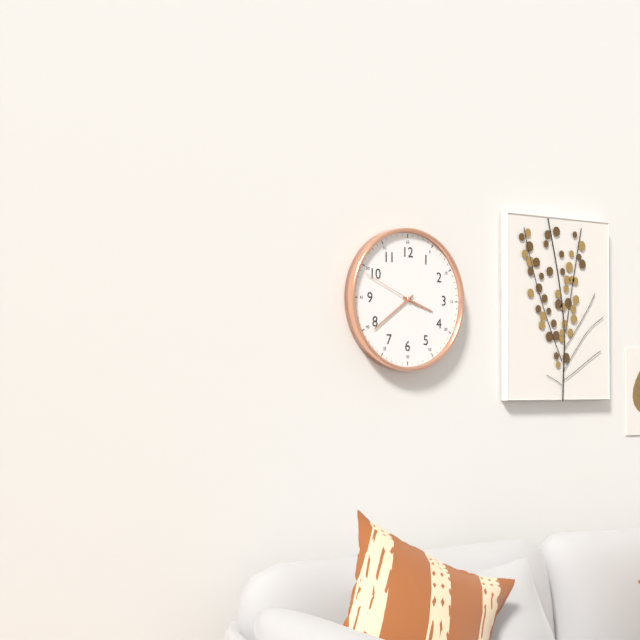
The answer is 3:39:49
